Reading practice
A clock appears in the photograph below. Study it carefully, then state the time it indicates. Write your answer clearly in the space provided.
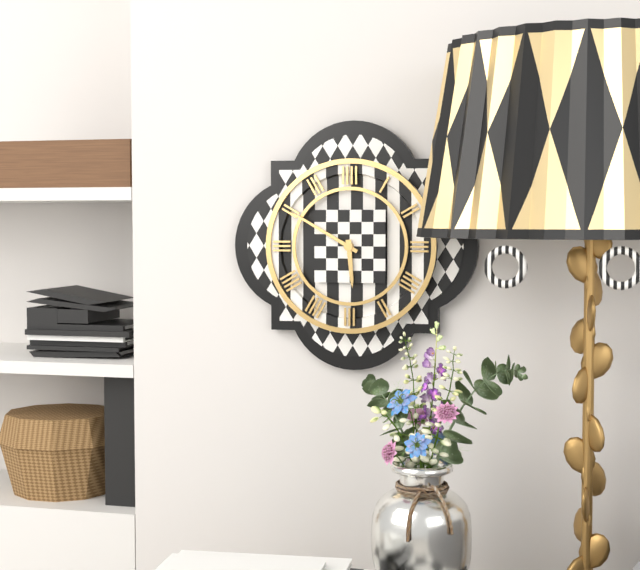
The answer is 5:50
